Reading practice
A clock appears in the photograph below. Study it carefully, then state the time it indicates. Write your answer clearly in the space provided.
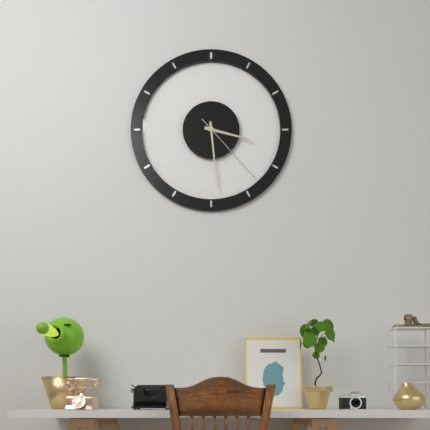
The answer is 3:29:23
